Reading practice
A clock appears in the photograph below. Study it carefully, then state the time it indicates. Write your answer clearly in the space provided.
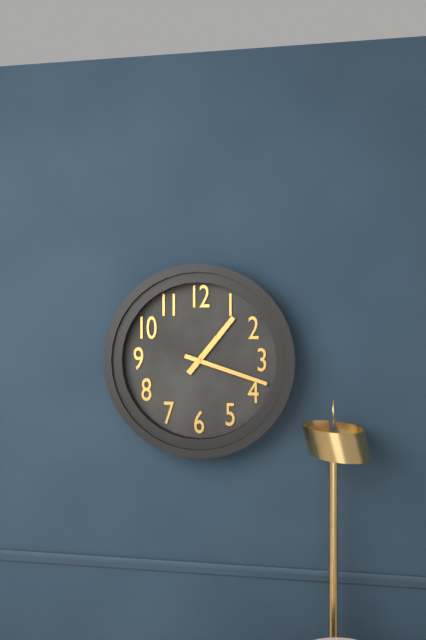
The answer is 1:18
